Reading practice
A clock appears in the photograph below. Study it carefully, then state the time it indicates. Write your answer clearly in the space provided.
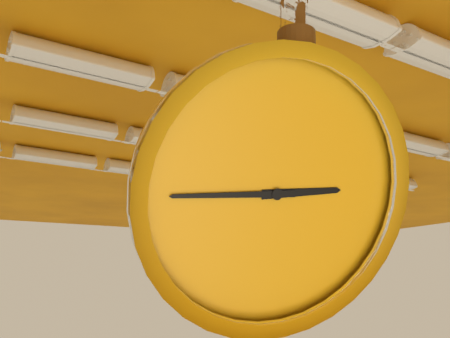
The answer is 2:44
